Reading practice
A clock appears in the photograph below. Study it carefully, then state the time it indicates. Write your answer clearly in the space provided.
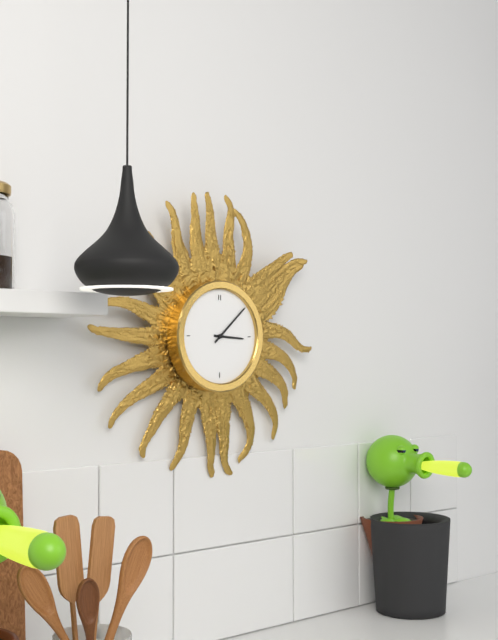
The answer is 3:08
